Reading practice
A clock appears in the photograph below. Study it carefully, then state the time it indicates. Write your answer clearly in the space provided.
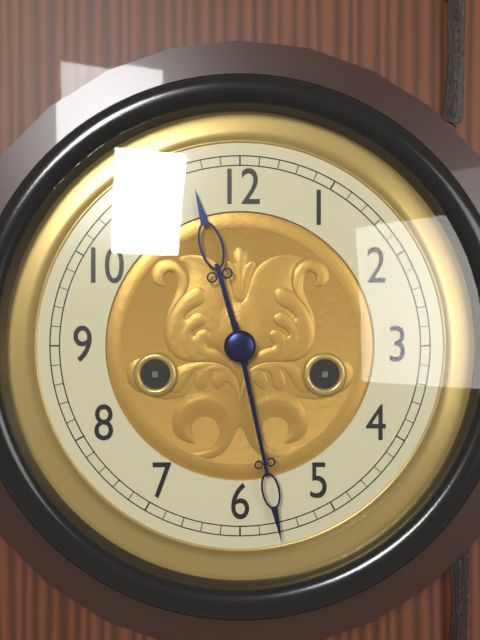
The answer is 11:28
